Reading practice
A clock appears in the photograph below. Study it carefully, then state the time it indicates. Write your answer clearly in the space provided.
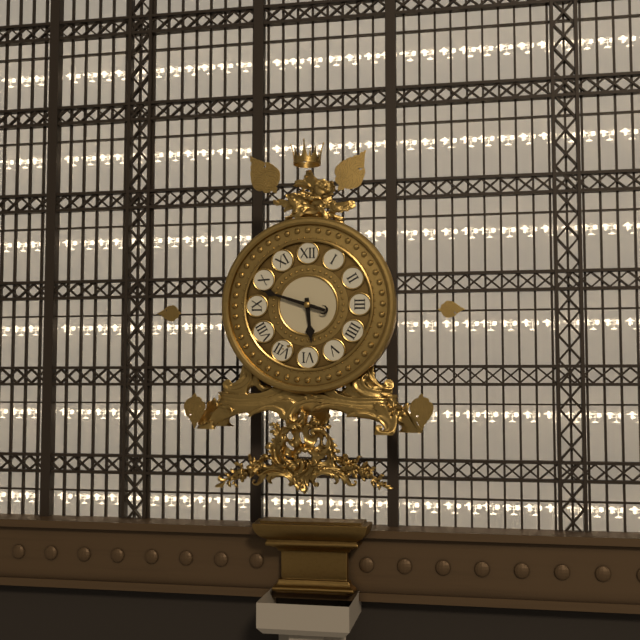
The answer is 5:48
